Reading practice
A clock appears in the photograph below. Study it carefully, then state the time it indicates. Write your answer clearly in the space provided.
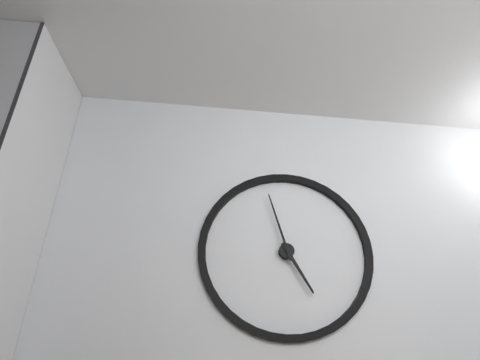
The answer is 4:57
